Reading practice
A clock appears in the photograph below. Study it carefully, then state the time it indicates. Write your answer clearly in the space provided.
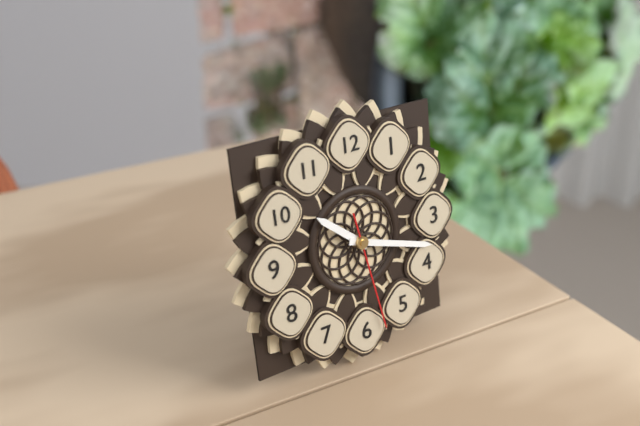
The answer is 10:18:28
